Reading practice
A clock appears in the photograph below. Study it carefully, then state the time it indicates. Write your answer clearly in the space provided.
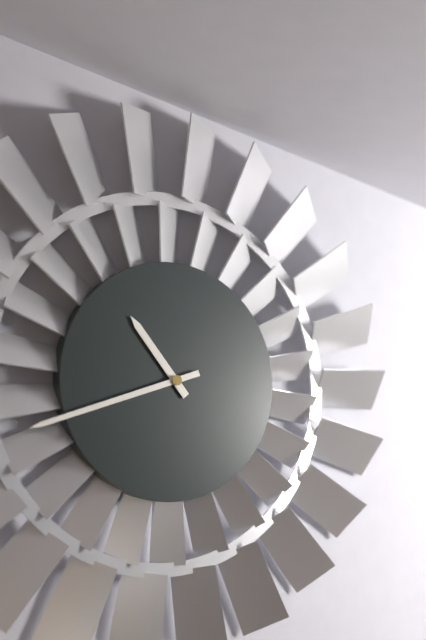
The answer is 10:42
